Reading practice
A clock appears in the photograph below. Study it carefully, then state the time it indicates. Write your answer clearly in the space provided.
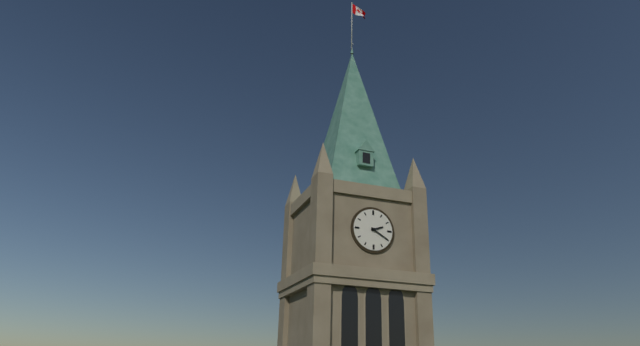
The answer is 2:20
